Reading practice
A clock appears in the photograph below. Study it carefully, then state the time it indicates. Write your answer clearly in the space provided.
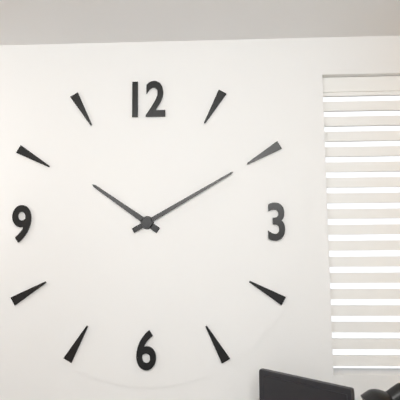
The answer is 10:10
